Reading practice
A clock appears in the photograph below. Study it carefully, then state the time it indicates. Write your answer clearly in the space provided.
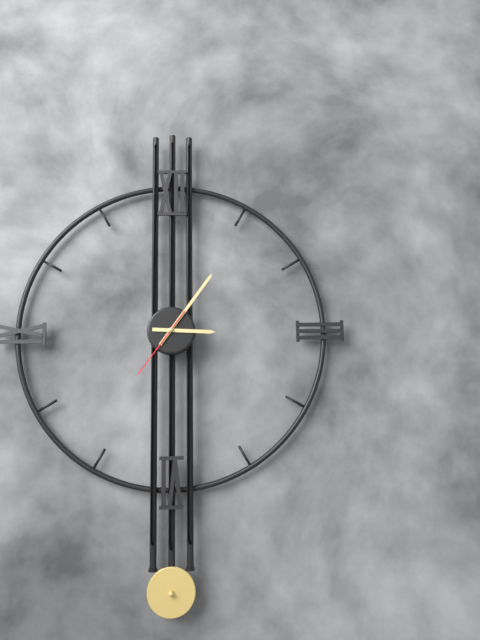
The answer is 3:06:36
